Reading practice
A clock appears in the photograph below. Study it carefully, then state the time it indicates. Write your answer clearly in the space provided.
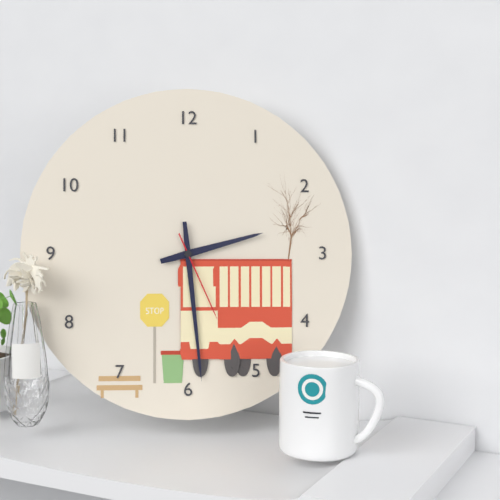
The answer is 2:29:26
